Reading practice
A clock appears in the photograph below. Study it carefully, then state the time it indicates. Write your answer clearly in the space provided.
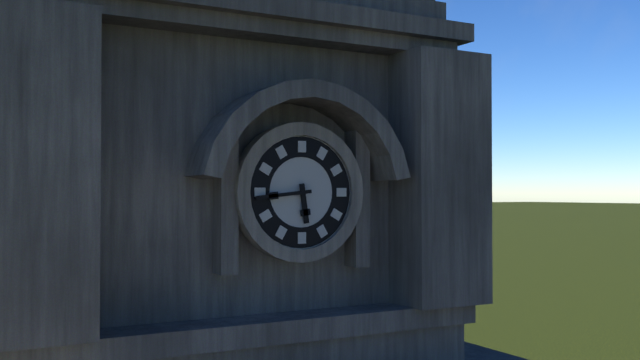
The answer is 5:44
